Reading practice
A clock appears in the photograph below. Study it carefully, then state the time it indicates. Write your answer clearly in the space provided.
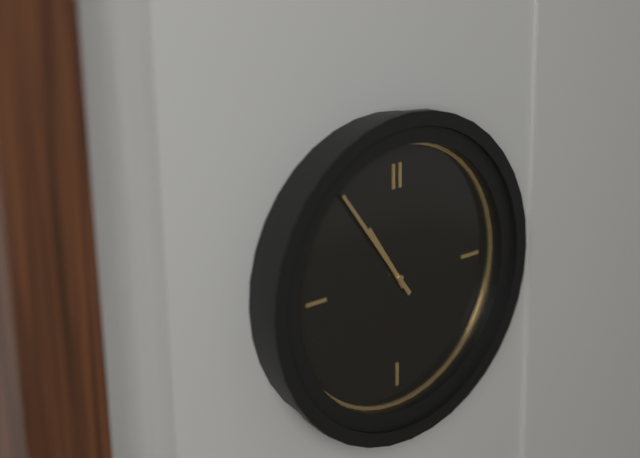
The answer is 10:54
